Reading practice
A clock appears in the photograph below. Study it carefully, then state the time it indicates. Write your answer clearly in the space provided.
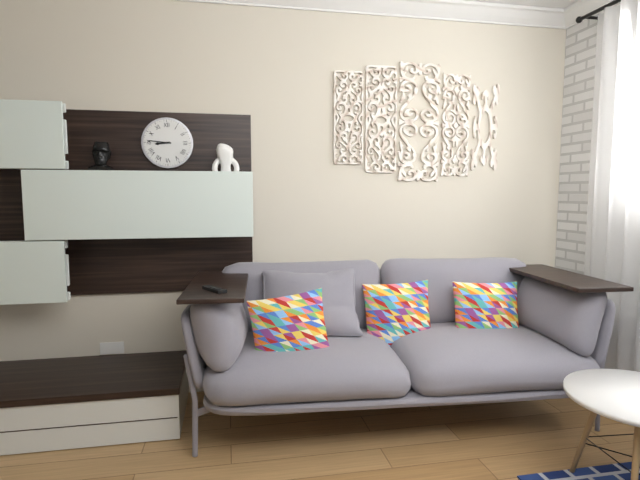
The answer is 8:46
